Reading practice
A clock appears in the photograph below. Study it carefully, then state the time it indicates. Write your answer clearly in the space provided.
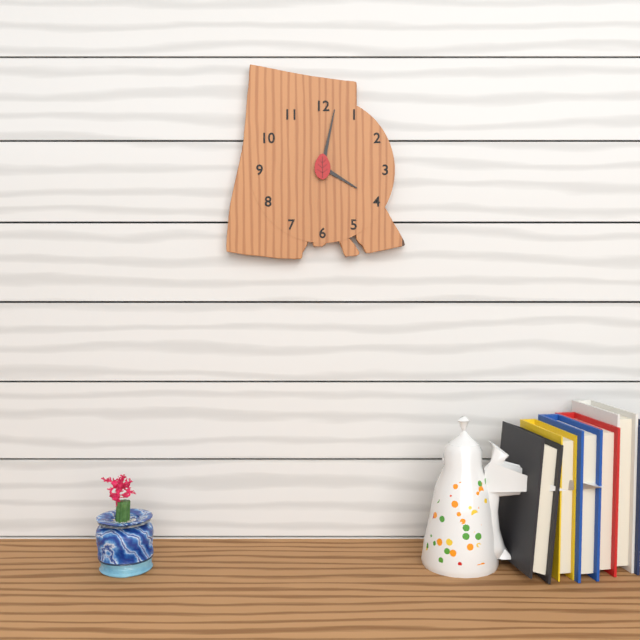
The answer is 4:02
